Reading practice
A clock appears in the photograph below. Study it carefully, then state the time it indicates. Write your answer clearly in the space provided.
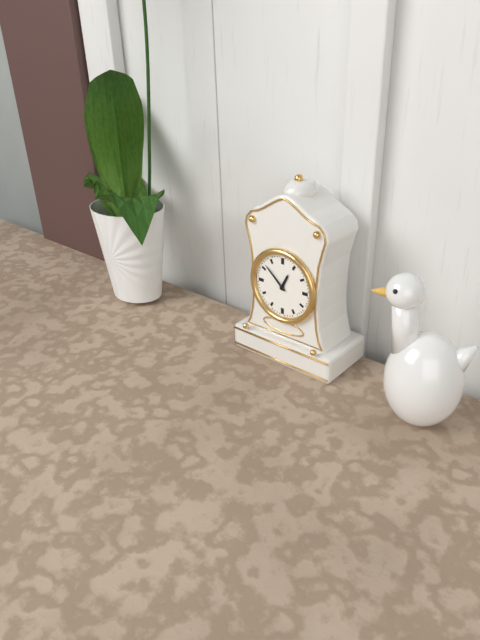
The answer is 12:52
